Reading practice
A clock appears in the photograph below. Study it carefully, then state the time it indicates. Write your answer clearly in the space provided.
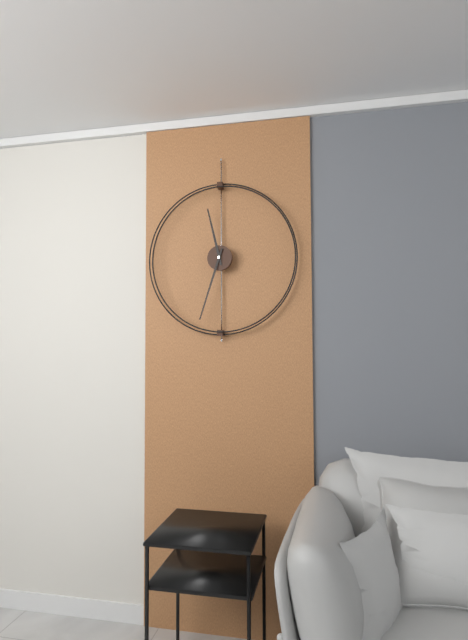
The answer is 11:33
